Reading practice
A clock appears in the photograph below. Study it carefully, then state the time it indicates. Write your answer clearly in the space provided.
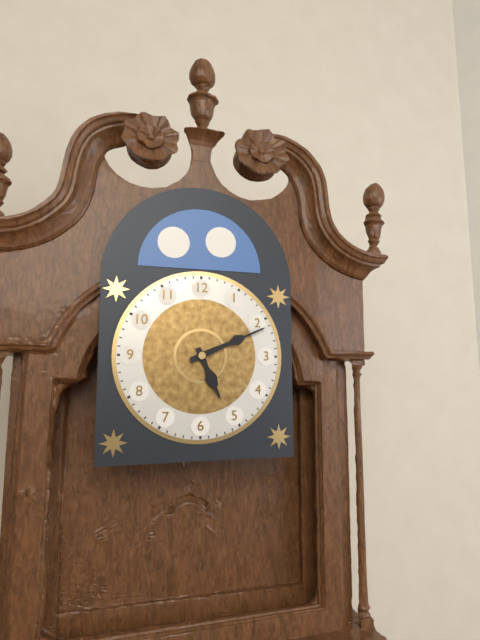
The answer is 5:11
